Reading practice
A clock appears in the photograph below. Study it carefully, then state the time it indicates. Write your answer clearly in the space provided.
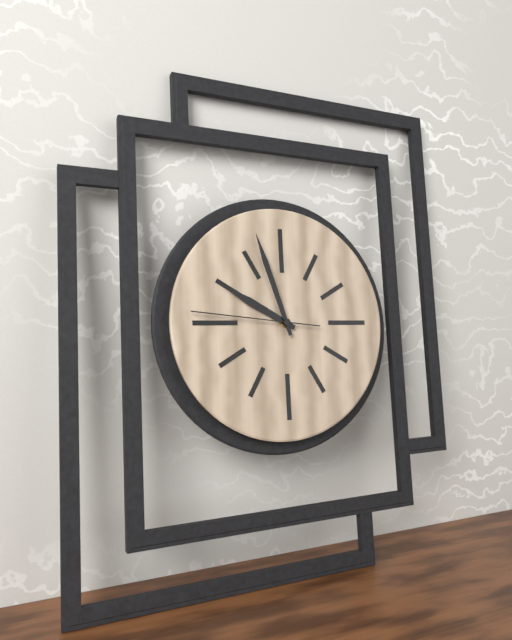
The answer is 9:57:46
